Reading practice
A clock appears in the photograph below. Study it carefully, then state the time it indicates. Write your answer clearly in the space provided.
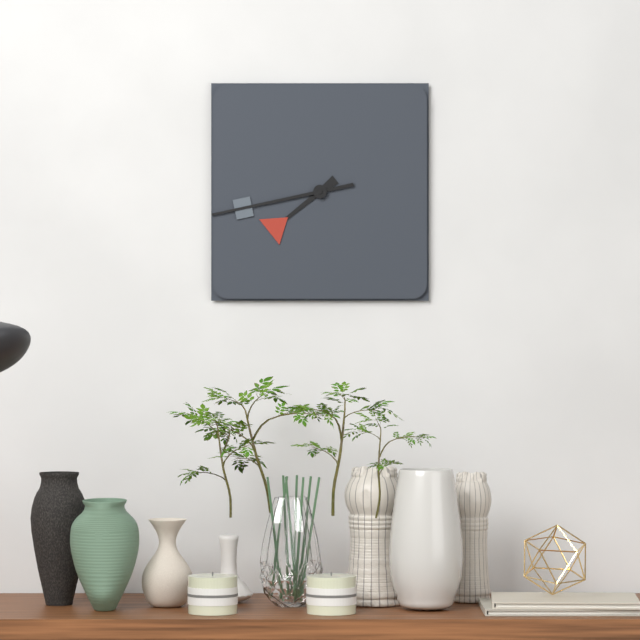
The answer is 7:43
